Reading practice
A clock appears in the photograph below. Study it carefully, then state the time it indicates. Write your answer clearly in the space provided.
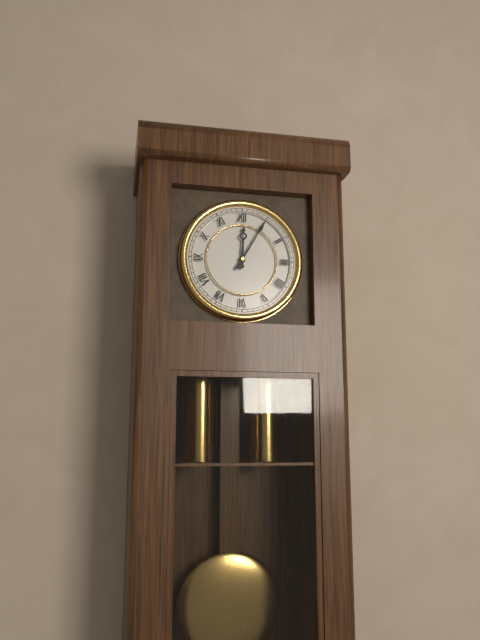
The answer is 12:05
